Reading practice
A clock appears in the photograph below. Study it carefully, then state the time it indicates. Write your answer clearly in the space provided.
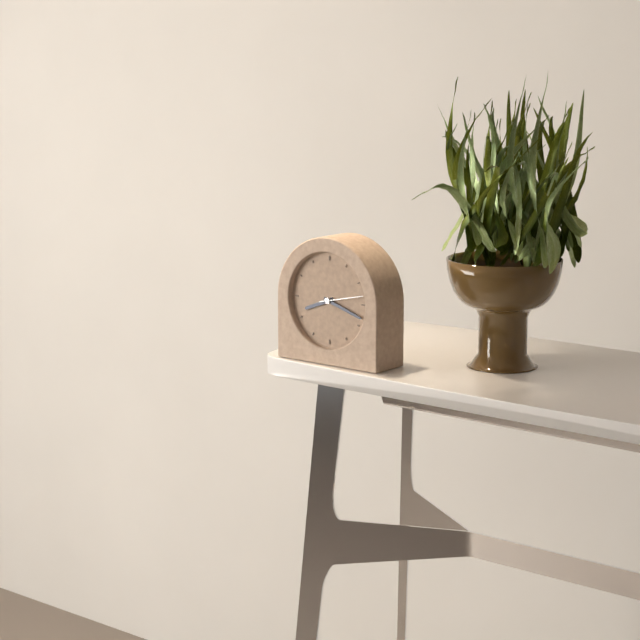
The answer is 8:18
